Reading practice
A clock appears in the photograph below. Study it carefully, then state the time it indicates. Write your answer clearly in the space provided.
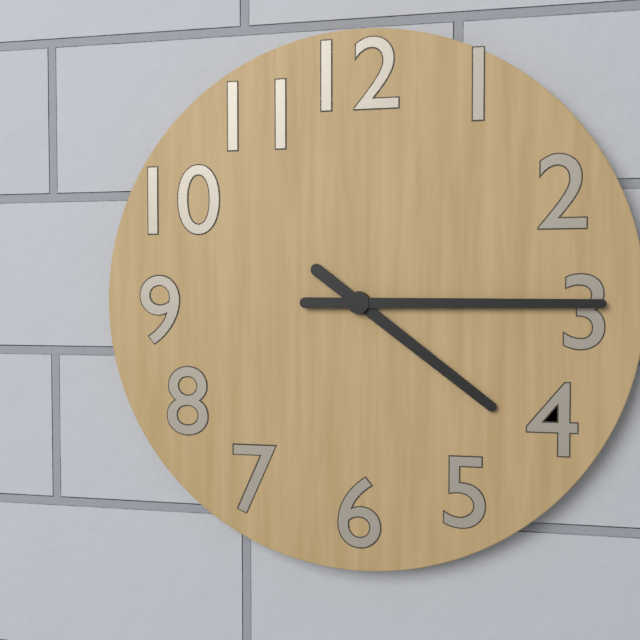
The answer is 4:15
